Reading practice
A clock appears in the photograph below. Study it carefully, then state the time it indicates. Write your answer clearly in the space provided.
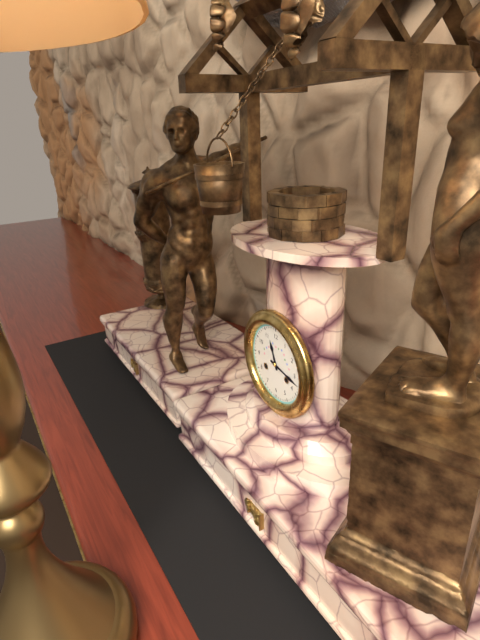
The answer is 11:17
